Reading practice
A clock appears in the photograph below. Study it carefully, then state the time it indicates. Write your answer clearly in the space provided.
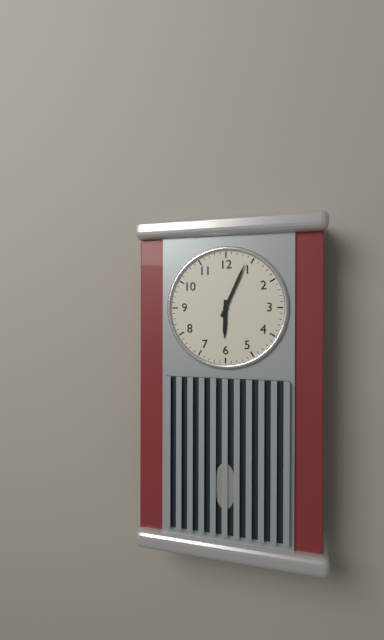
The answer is 6:04
